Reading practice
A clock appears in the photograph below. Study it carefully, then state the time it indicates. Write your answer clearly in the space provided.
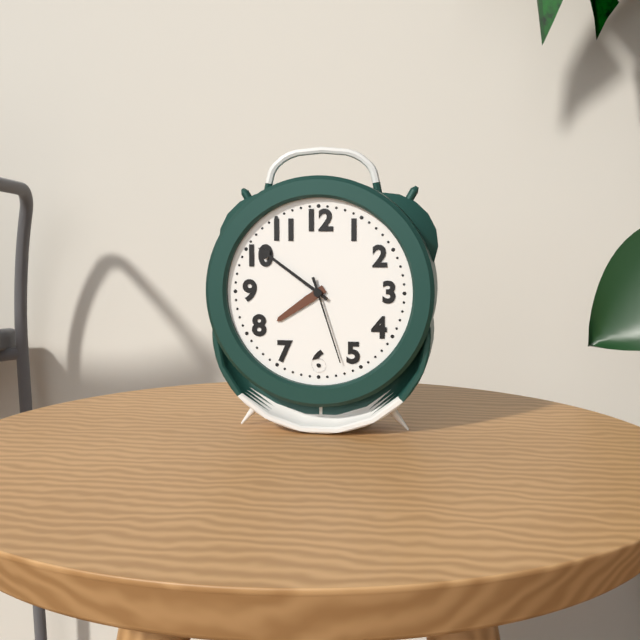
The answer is 7:51:27
